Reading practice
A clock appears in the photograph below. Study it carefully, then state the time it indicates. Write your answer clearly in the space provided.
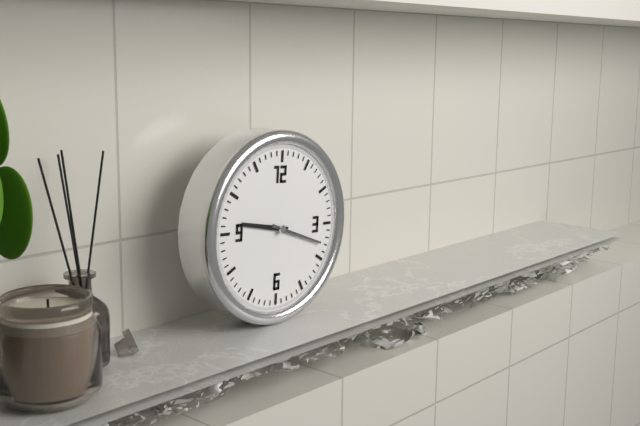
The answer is 9:18
